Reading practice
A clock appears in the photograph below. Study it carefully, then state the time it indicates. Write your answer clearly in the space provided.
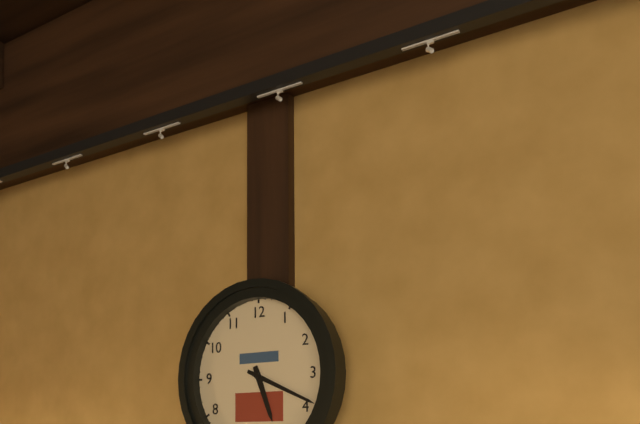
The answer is 5:19
